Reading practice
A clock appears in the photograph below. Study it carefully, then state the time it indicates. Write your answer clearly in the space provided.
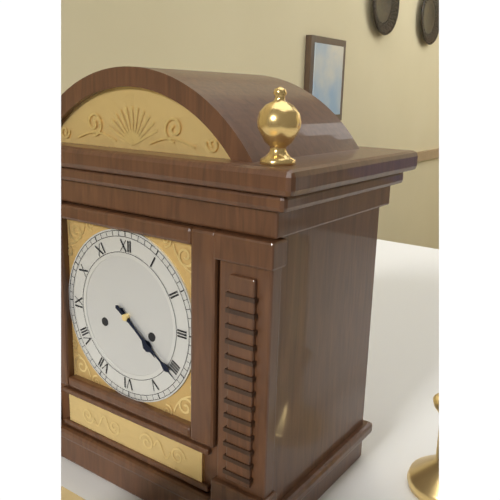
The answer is 4:21
